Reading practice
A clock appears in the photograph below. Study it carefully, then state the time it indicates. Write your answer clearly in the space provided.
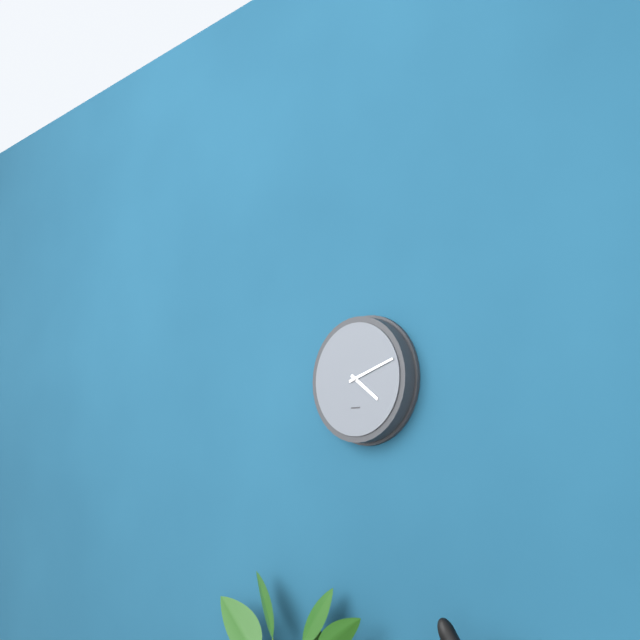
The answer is 4:12
